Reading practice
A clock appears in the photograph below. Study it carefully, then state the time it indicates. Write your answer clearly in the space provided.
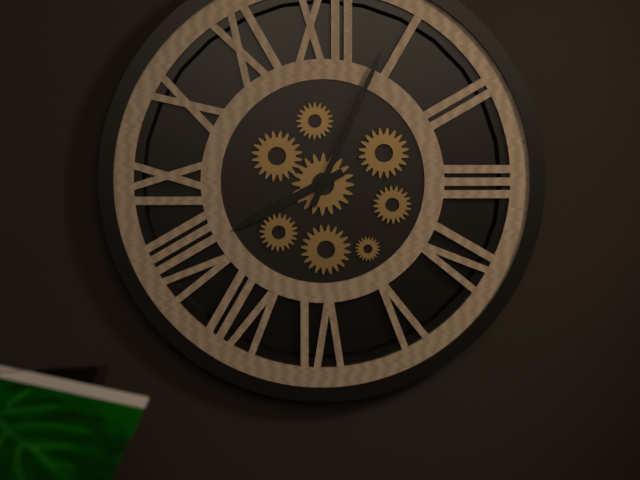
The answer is 8:04
